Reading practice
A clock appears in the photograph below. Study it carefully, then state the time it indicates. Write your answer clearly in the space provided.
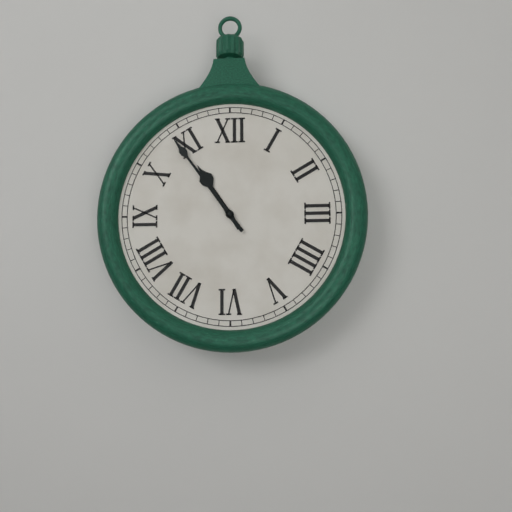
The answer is 10:54
